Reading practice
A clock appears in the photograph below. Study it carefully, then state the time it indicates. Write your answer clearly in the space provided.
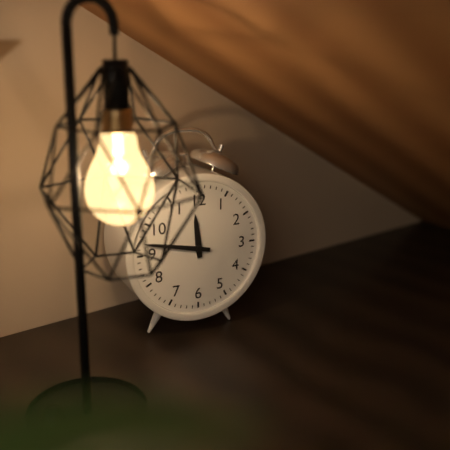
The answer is 11:47
